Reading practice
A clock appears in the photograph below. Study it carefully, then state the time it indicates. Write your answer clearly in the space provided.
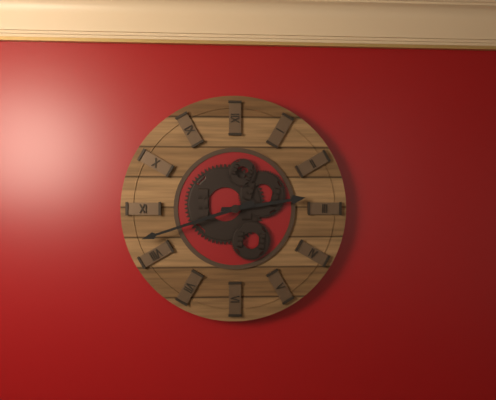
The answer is 2:42
